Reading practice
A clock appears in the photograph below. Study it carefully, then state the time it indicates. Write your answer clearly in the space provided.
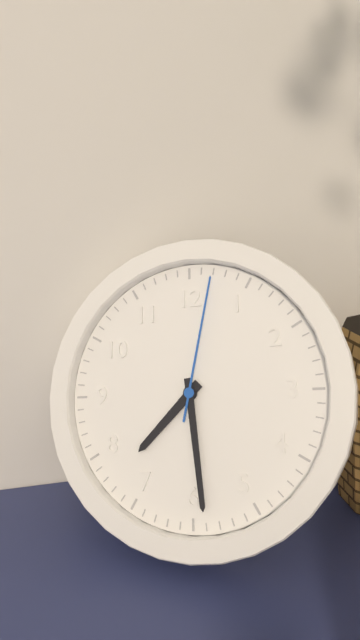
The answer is 7:29:02
